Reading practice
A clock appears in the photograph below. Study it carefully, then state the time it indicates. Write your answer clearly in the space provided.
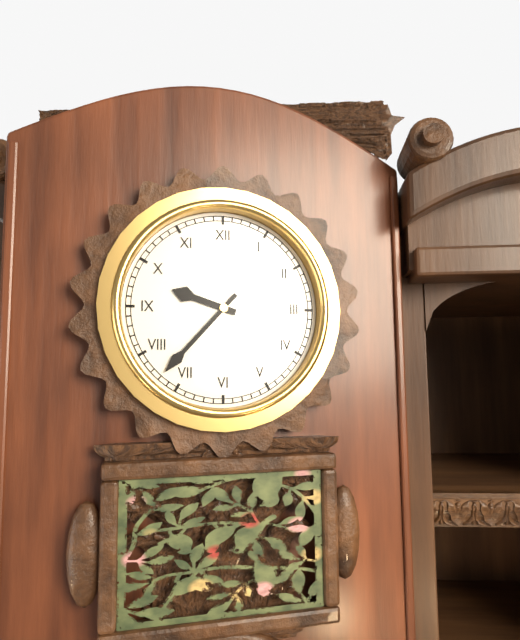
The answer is 9:37
